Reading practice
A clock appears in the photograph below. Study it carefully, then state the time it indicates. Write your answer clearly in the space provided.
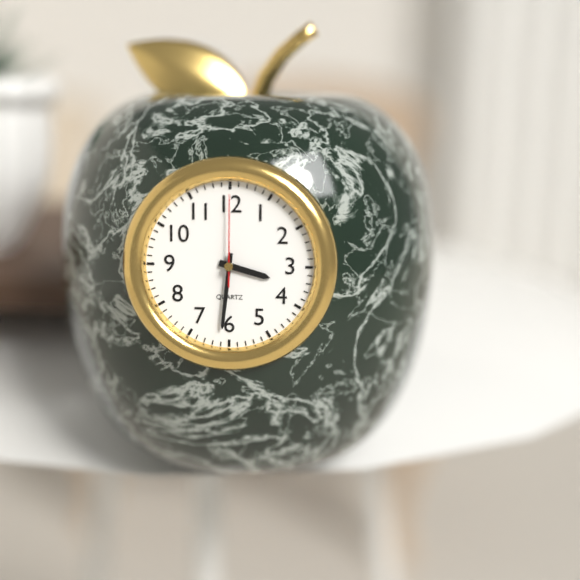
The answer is 3:31:00
